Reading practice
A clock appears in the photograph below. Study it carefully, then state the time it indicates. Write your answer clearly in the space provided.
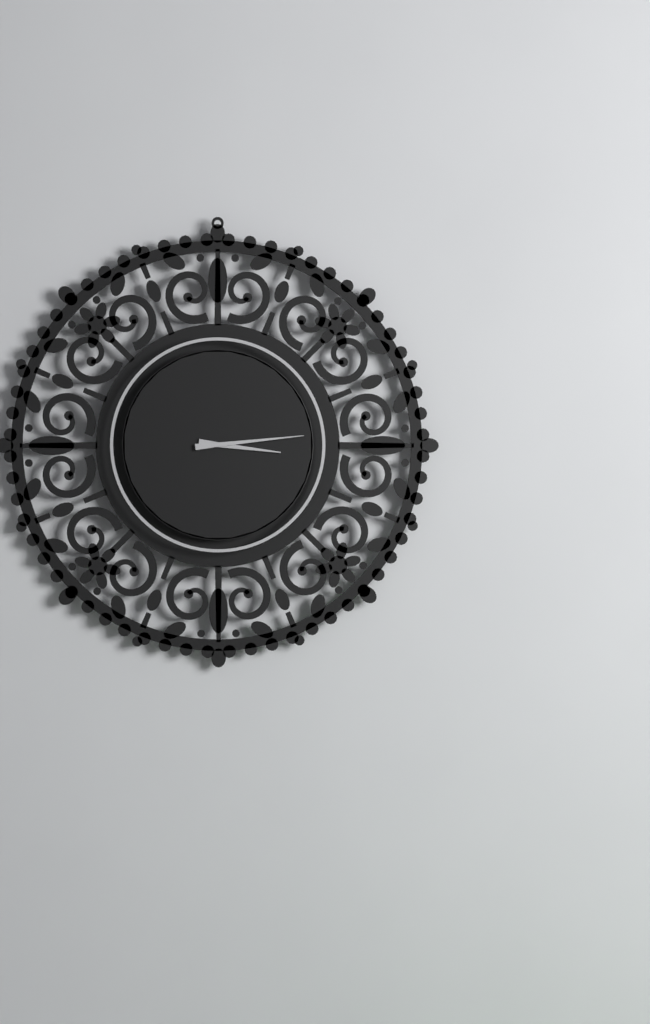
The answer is 3:14
